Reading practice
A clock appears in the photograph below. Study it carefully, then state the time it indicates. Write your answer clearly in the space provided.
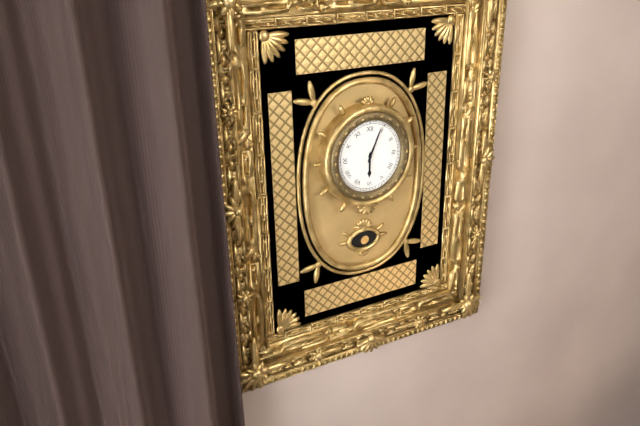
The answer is 6:04
